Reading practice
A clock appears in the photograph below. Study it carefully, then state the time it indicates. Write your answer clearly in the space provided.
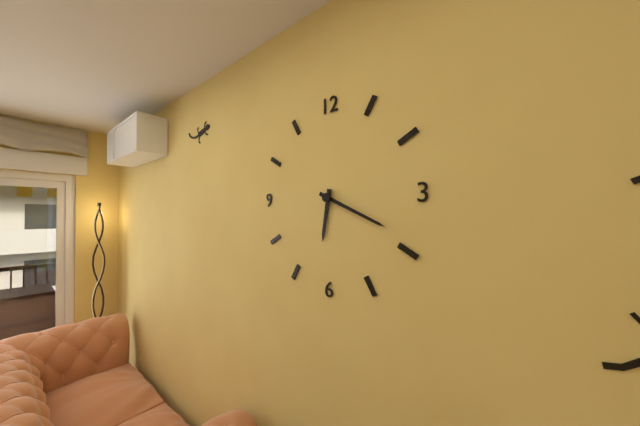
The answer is 6:19
